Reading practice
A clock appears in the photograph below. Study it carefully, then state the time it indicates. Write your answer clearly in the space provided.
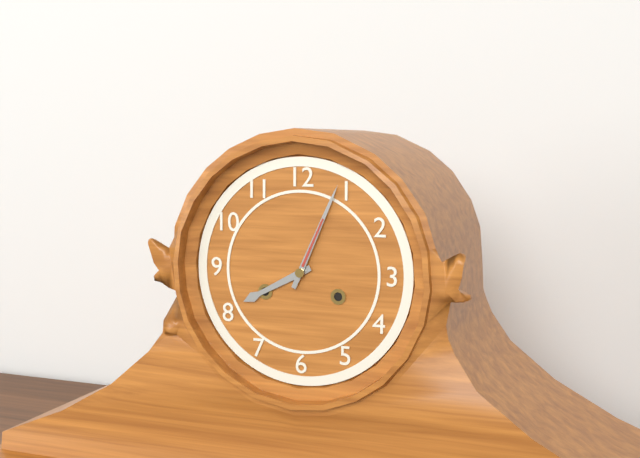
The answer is 8:04
